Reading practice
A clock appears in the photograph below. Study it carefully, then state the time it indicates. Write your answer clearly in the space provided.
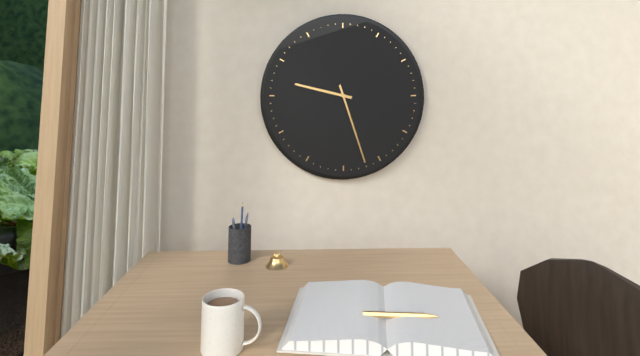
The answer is 9:27
